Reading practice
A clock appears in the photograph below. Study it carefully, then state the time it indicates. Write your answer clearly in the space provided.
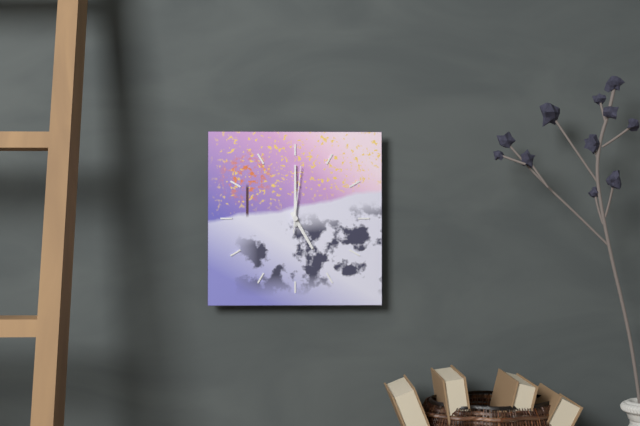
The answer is 5:00:01
